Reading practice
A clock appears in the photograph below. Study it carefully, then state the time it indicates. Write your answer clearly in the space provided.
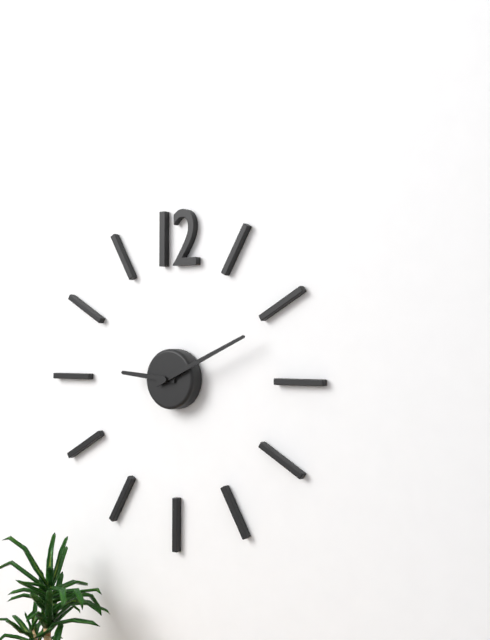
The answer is 9:11
